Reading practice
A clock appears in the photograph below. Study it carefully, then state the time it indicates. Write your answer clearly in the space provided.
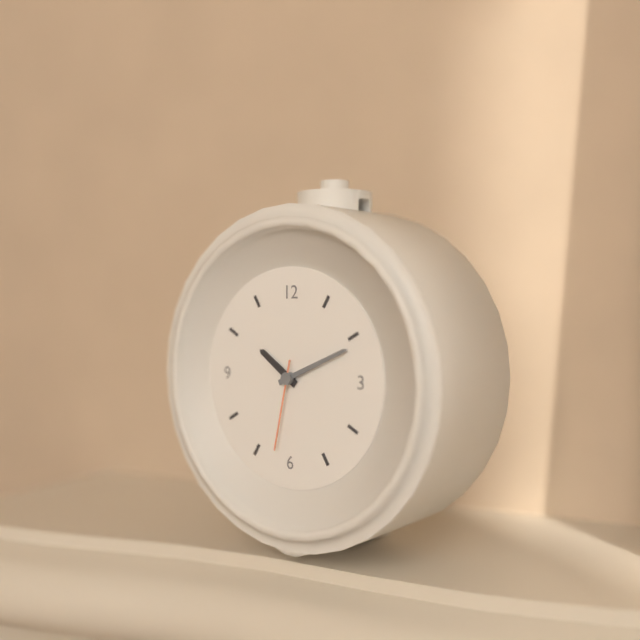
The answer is 10:11:32
